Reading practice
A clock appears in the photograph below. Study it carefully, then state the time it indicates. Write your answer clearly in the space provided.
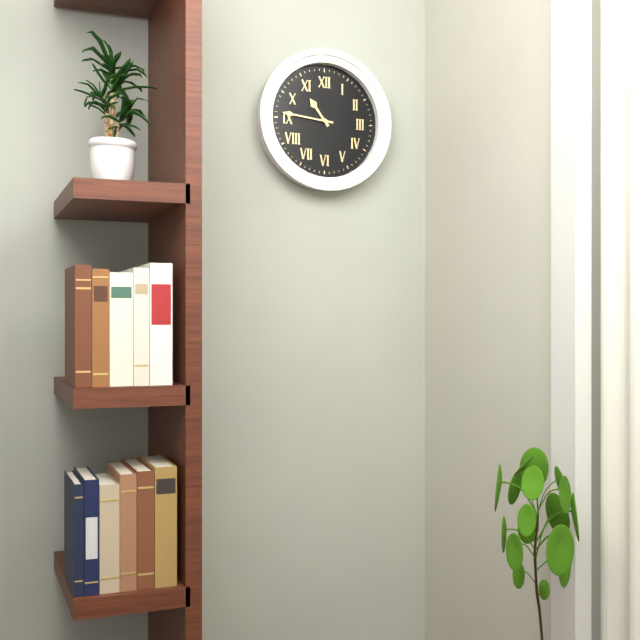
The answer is 10:46
